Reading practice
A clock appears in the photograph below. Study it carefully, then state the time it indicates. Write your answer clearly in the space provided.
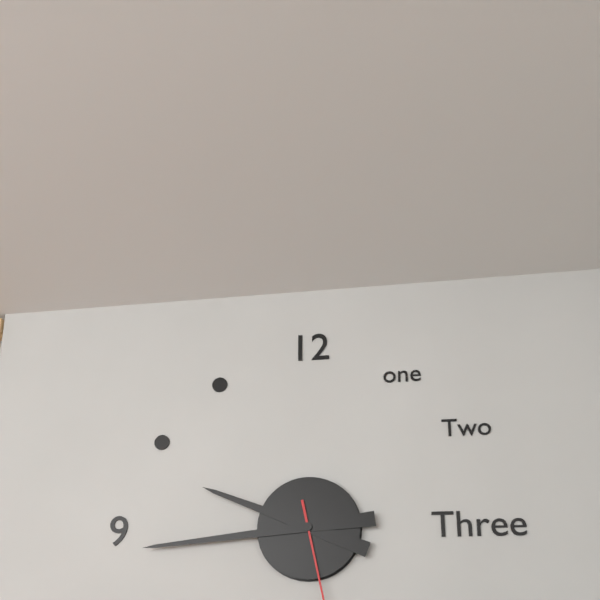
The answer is 9:44
